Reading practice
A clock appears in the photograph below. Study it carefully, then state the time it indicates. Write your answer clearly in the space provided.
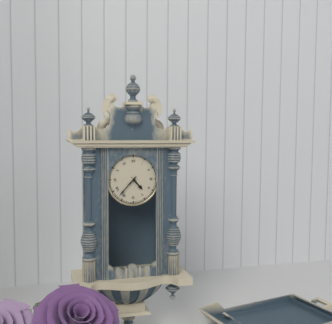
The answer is 4:37
